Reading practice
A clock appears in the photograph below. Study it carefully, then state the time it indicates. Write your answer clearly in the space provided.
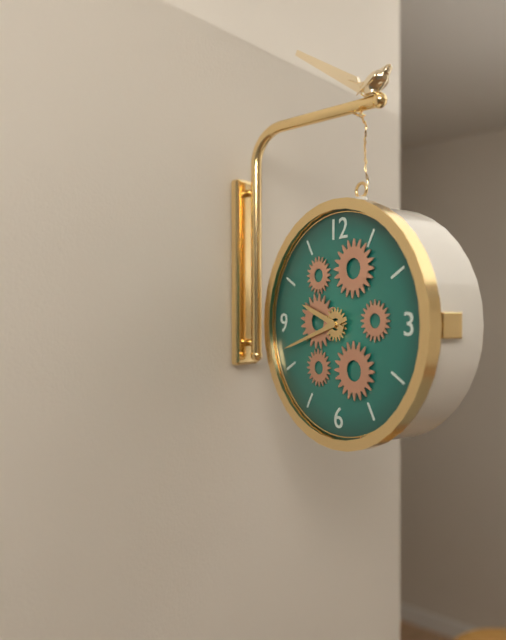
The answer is 9:42
